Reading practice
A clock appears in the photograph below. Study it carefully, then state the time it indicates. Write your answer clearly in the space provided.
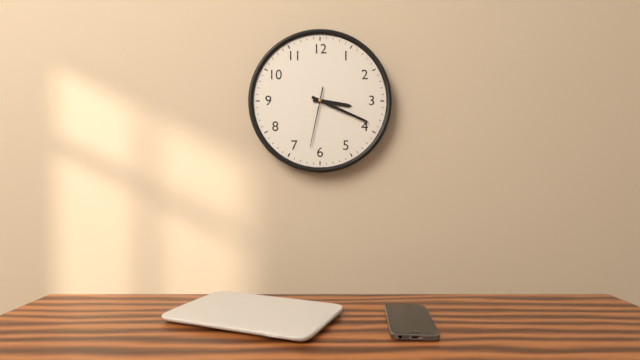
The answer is 3:19:32
